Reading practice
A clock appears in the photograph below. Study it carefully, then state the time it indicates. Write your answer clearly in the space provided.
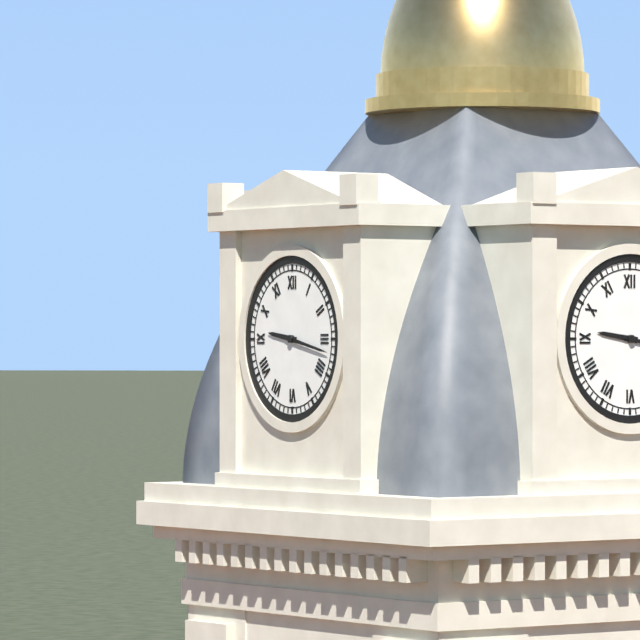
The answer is 9:17
